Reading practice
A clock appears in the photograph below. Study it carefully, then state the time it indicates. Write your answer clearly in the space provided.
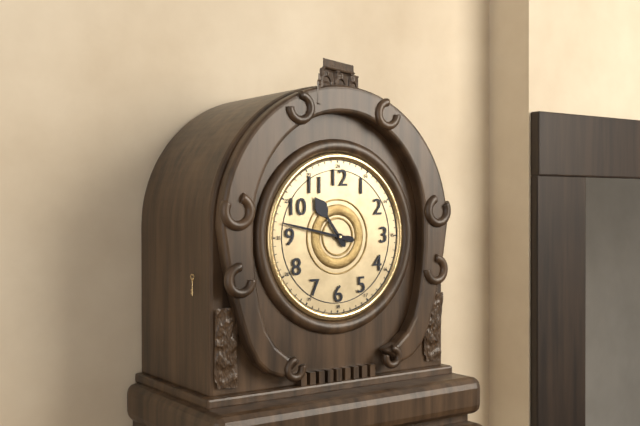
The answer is 10:47
